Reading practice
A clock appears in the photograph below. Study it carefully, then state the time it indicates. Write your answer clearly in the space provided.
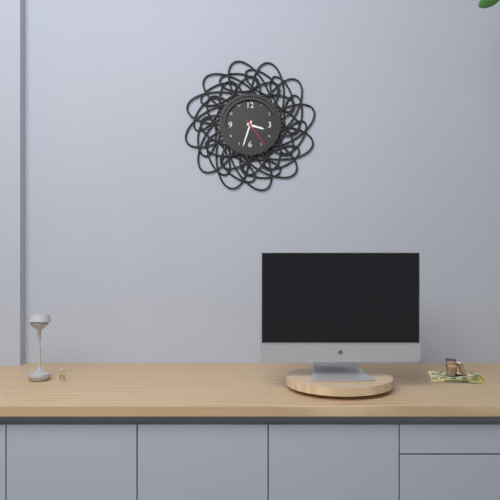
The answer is 3:33
